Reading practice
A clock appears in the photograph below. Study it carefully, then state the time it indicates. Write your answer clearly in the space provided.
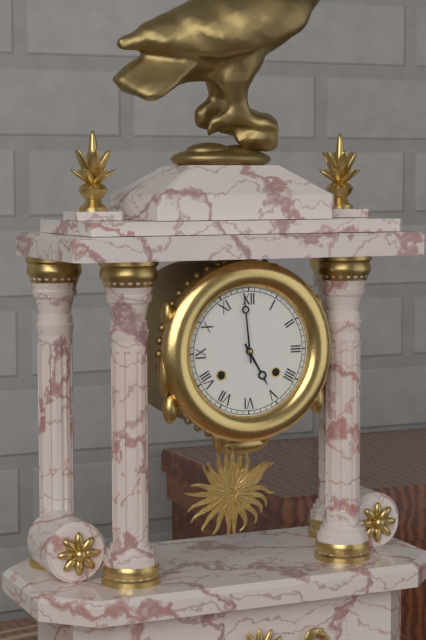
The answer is 4:59
